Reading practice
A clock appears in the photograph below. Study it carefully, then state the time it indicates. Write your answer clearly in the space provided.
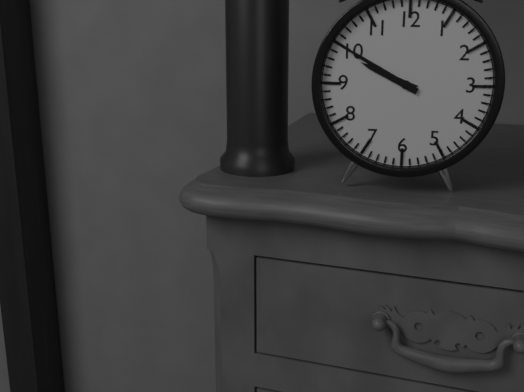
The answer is 9:50
